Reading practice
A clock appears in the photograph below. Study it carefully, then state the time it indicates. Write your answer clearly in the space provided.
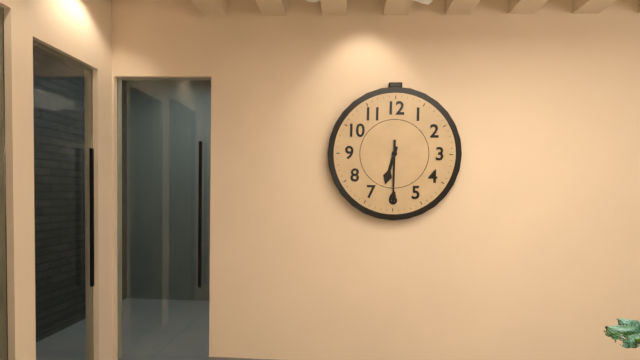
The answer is 6:30
